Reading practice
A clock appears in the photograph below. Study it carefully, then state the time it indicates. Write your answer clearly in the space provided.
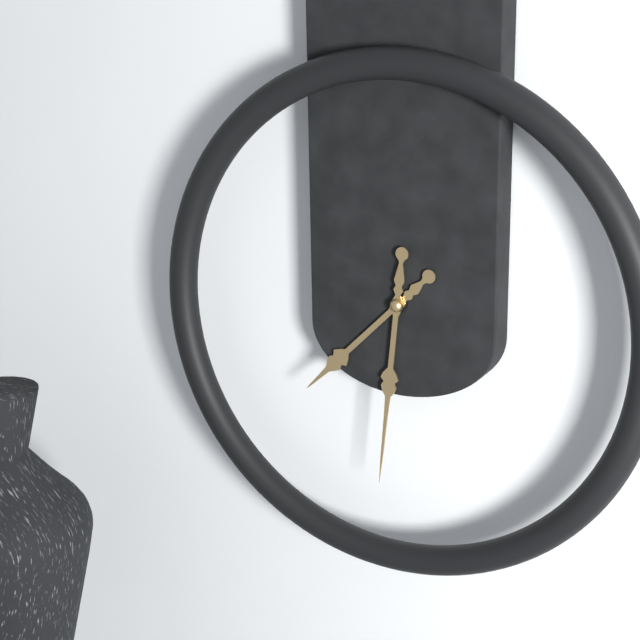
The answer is 7:31
